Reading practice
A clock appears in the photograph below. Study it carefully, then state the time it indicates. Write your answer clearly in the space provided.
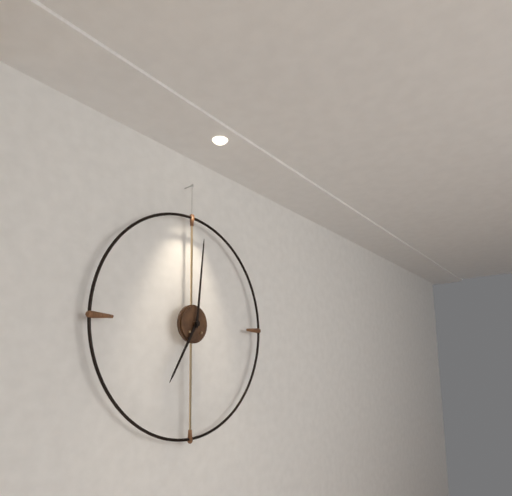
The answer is 7:01
